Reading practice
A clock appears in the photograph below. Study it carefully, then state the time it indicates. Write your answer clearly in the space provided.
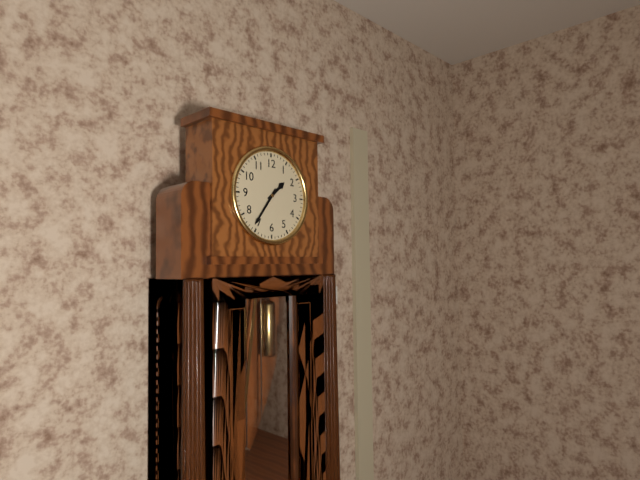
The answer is 1:36
